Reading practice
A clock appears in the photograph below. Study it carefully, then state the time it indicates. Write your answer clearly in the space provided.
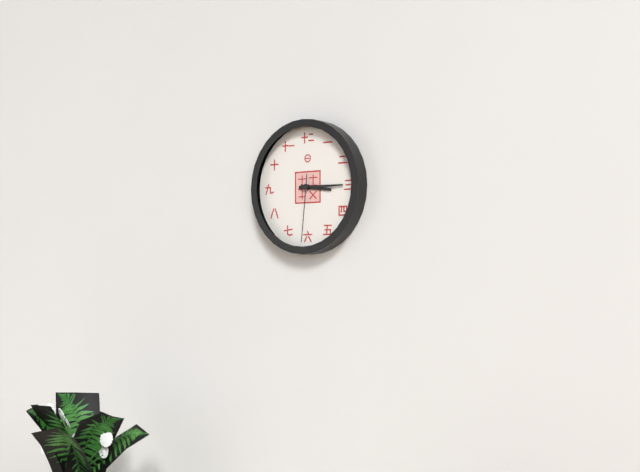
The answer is 3:15:31
